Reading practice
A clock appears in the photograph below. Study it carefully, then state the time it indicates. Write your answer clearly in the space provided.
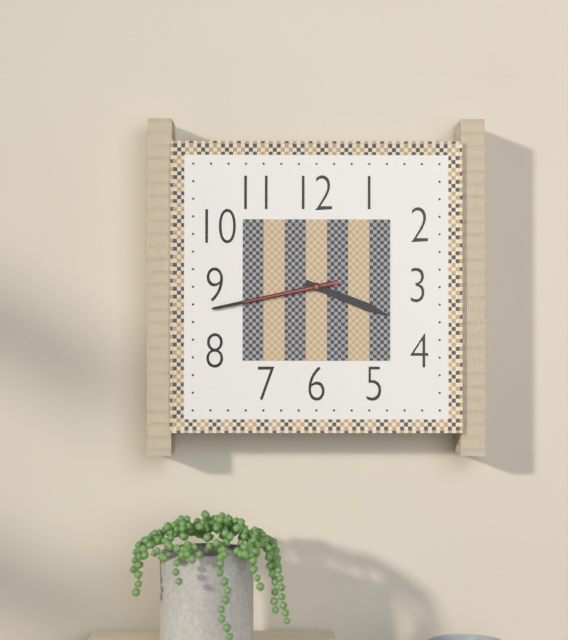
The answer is 3:43:43
